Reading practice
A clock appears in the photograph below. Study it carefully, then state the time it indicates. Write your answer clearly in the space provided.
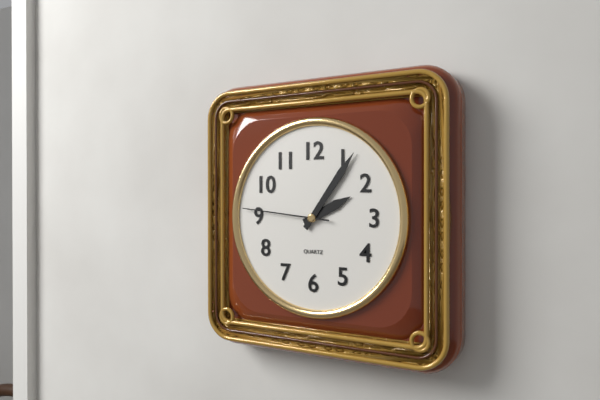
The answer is 2:06:46
